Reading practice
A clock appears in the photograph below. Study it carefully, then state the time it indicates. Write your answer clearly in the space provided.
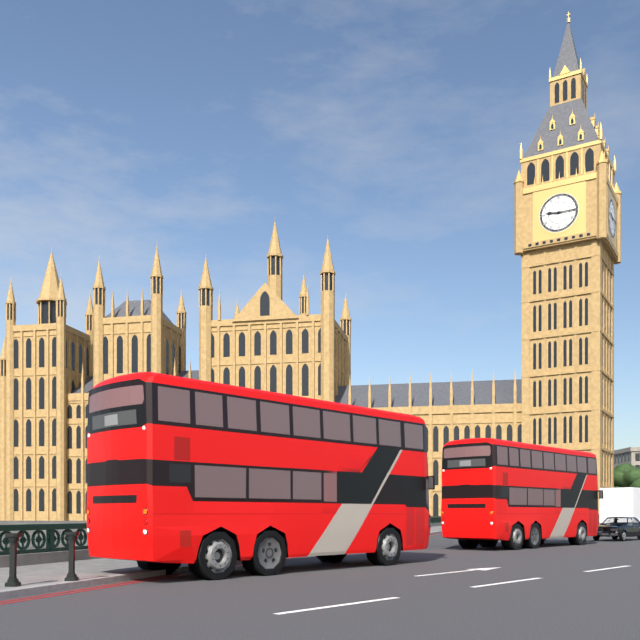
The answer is 9:15
